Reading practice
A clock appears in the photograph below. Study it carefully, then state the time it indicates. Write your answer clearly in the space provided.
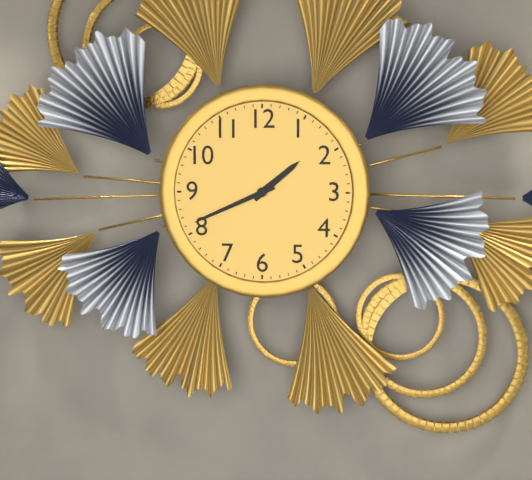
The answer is 1:41
